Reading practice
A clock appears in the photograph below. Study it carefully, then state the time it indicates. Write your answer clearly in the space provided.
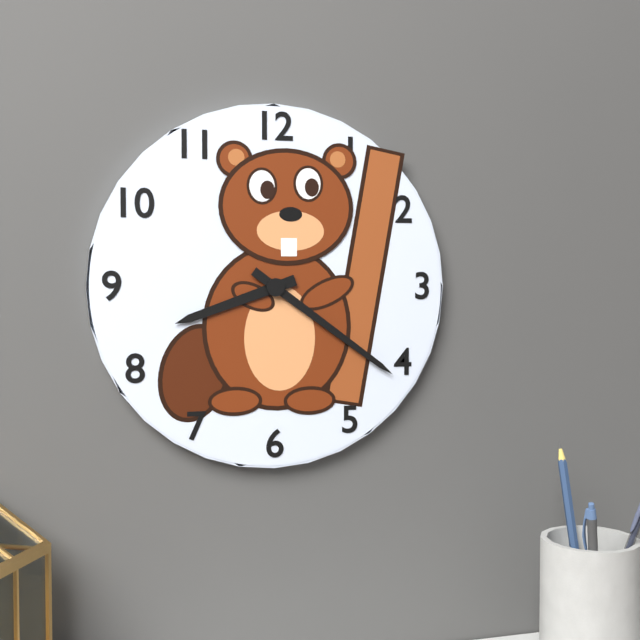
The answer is 8:21
